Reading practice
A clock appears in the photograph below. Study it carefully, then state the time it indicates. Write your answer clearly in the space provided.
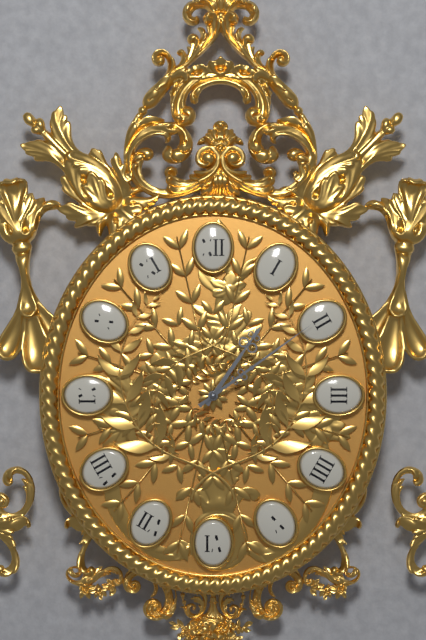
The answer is 1:09
